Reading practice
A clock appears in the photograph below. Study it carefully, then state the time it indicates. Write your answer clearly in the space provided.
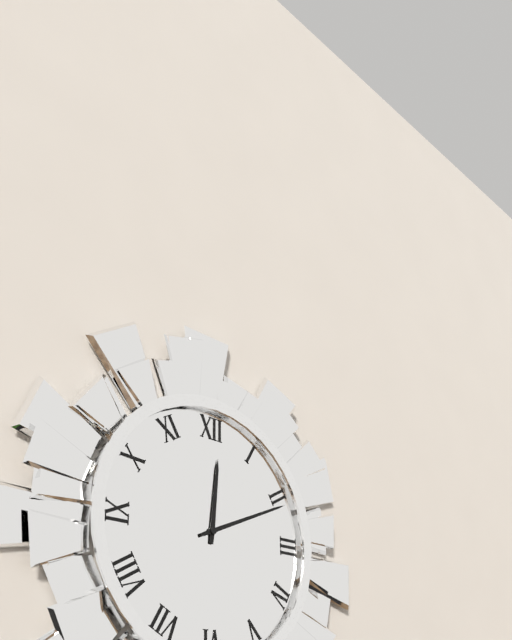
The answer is 12:11
